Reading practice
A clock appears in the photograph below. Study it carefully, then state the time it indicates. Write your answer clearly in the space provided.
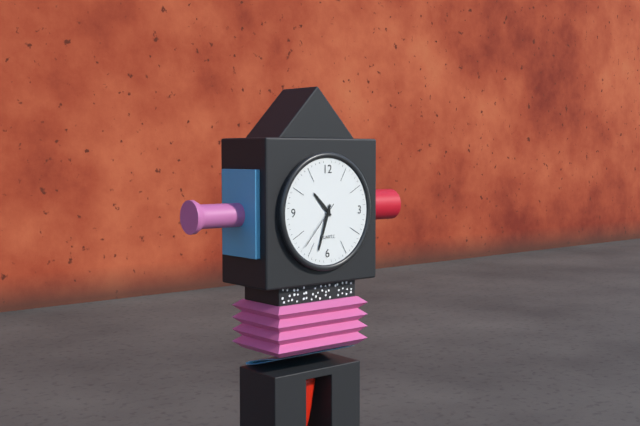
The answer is 10:33:37
